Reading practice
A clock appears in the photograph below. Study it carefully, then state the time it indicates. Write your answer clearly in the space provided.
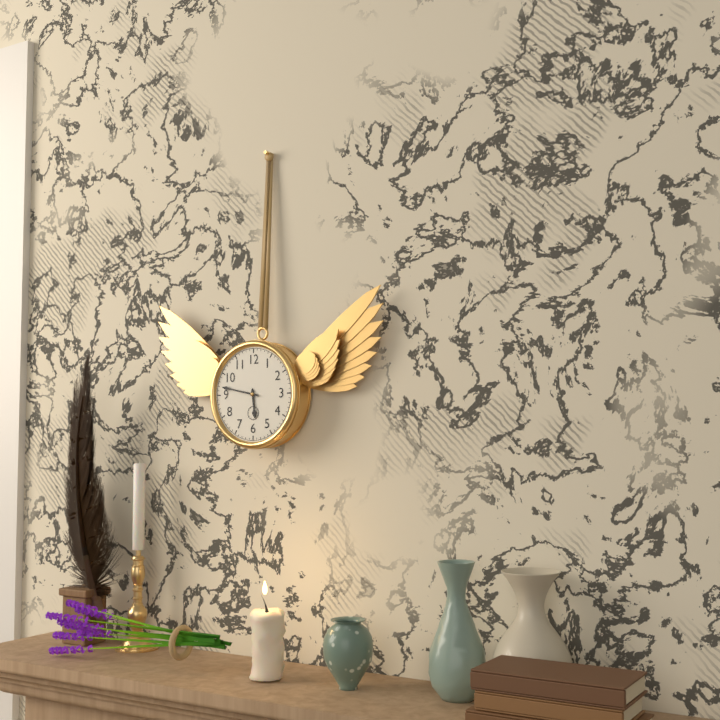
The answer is 5:47
